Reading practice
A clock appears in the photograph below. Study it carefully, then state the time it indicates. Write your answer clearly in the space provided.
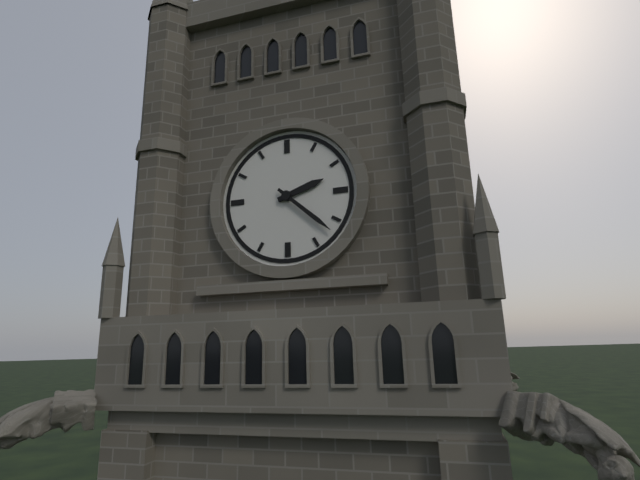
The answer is 2:22
